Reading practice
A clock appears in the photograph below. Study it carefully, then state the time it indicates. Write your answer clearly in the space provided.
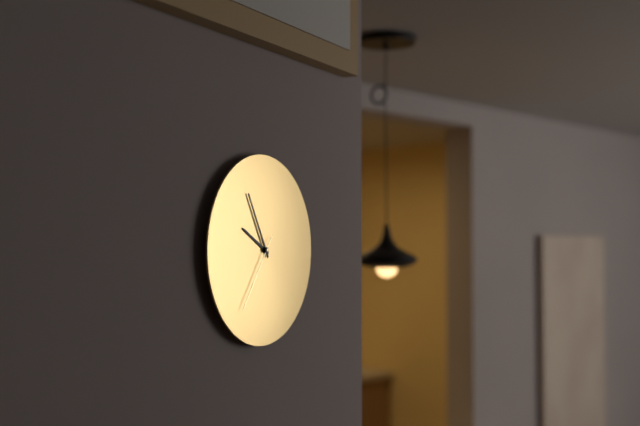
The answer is 9:55:36
